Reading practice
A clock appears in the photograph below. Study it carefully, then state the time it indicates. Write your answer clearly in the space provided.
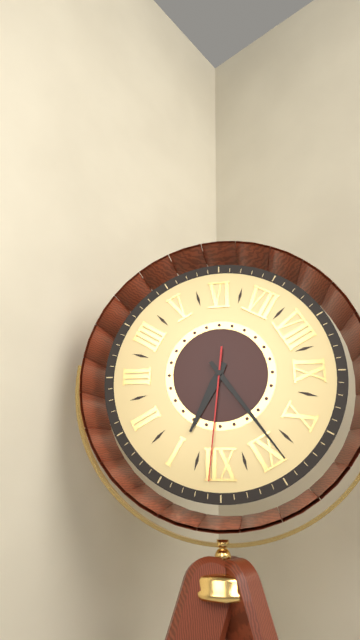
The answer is 12:54:01
